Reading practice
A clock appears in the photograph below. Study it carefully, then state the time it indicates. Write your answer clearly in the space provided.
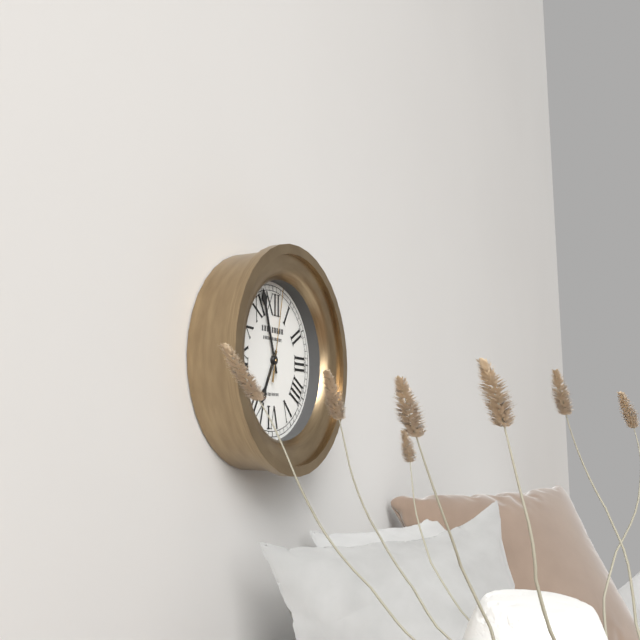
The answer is 6:57:02
